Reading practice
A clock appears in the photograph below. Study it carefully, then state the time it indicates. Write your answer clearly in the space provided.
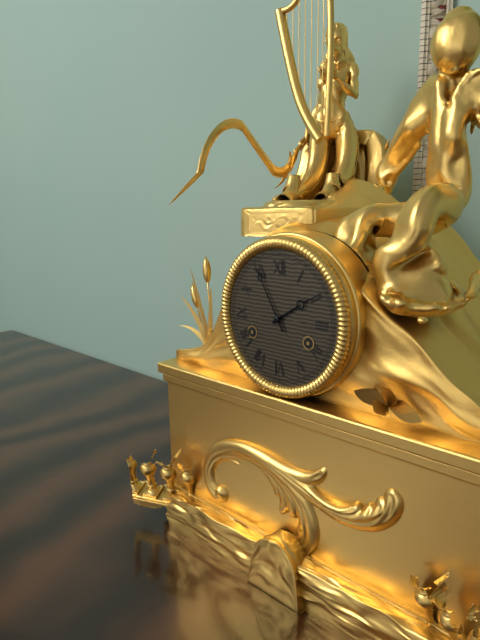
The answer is 1:55
